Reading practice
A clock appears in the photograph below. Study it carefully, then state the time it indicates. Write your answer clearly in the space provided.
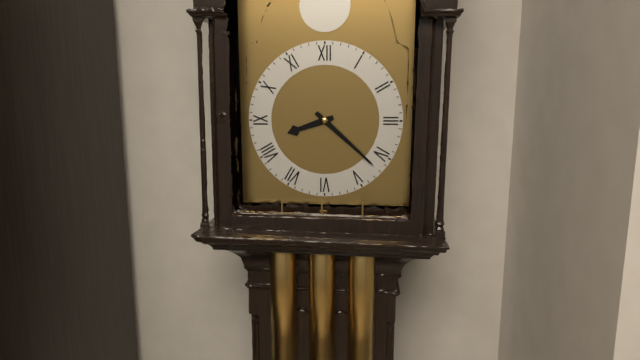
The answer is 8:22
